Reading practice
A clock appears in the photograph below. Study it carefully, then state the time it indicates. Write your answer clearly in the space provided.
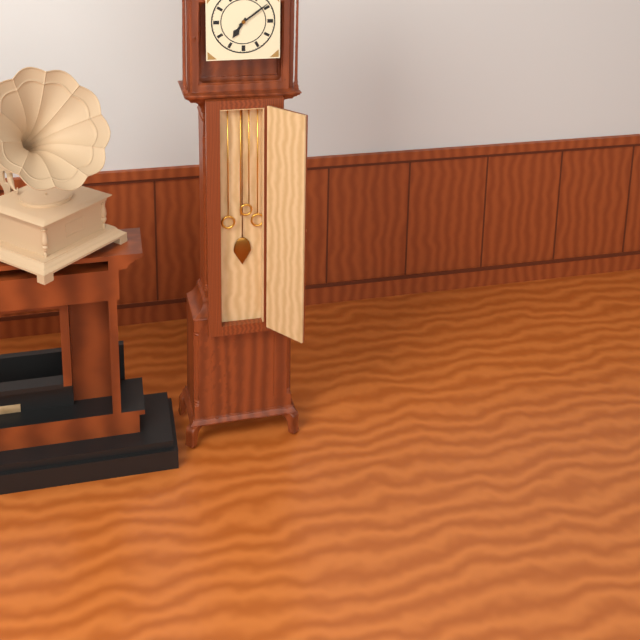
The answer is 7:09
